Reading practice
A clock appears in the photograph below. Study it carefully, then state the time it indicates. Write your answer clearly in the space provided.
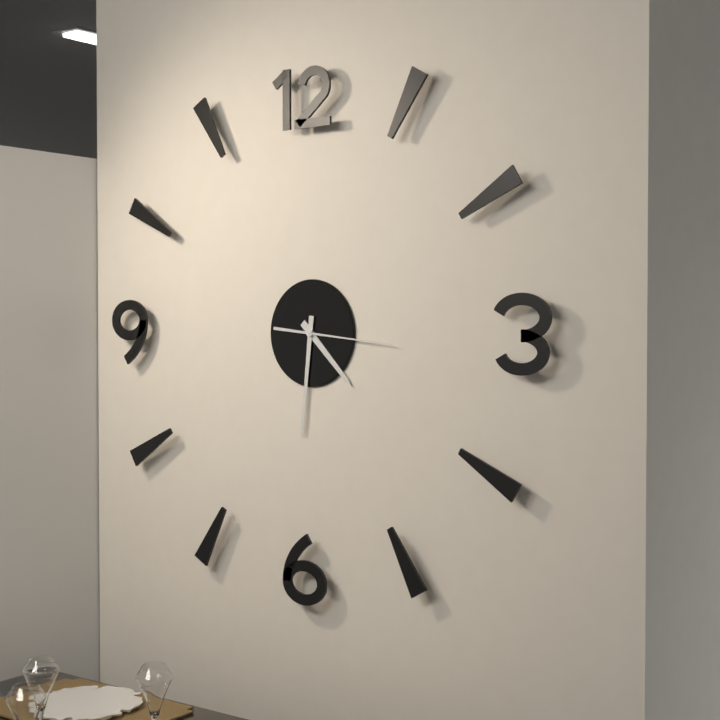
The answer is 4:31:16
